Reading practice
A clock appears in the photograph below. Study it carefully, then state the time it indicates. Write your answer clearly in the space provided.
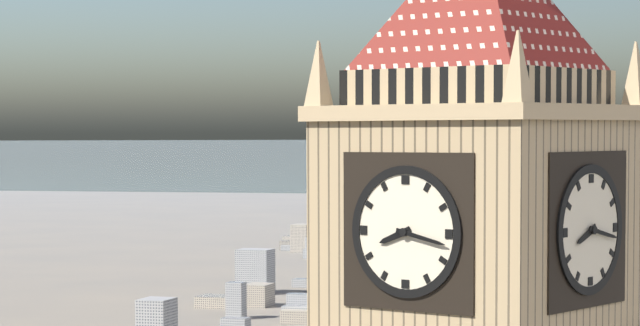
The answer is 8:17
